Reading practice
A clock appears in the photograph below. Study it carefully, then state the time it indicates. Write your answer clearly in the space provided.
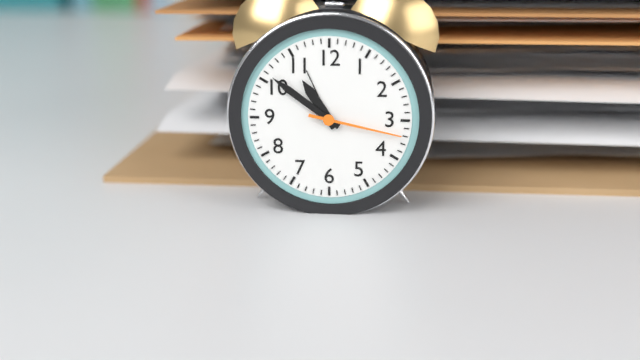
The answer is 10:51:17
